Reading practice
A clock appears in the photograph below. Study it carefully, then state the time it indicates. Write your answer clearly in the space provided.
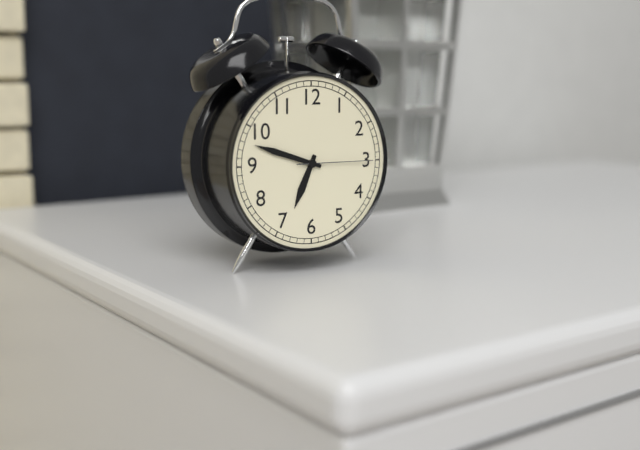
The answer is 6:48:15
